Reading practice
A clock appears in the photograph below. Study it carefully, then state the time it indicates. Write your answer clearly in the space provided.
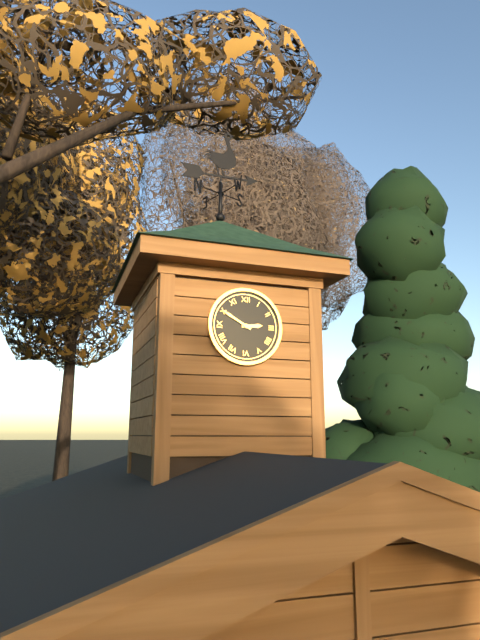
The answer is 2:50
